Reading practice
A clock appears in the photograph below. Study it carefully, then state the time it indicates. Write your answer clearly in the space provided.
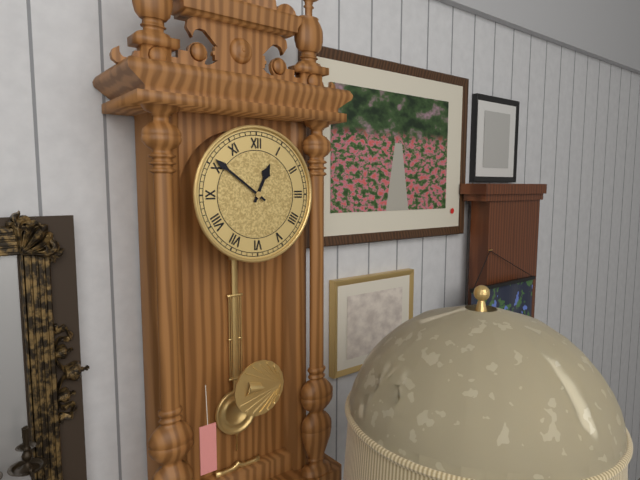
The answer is 12:51
